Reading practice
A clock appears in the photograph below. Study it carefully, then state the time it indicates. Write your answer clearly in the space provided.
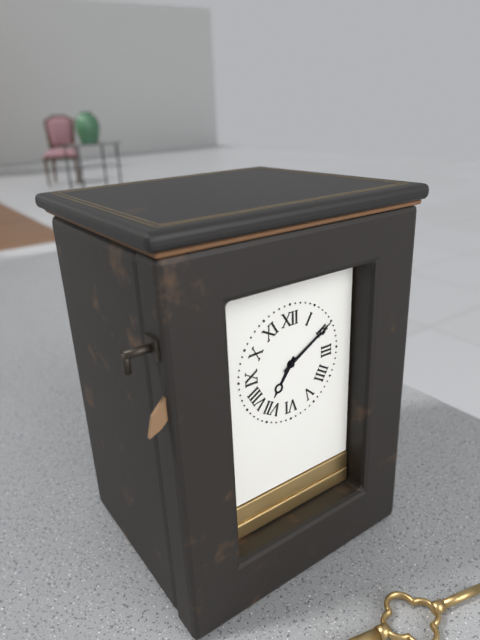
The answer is 7:10
